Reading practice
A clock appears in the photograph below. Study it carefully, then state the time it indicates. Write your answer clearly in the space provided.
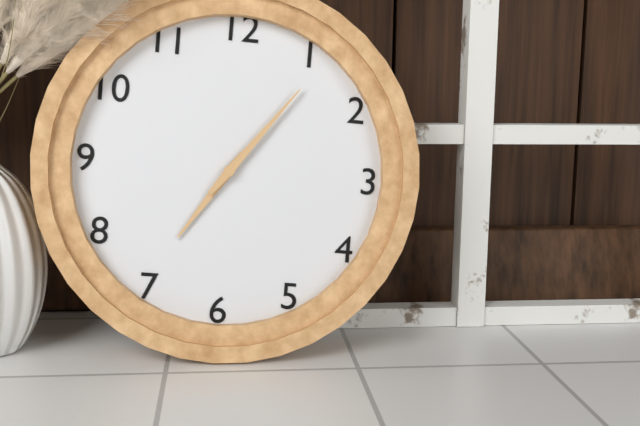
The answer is 7:06
